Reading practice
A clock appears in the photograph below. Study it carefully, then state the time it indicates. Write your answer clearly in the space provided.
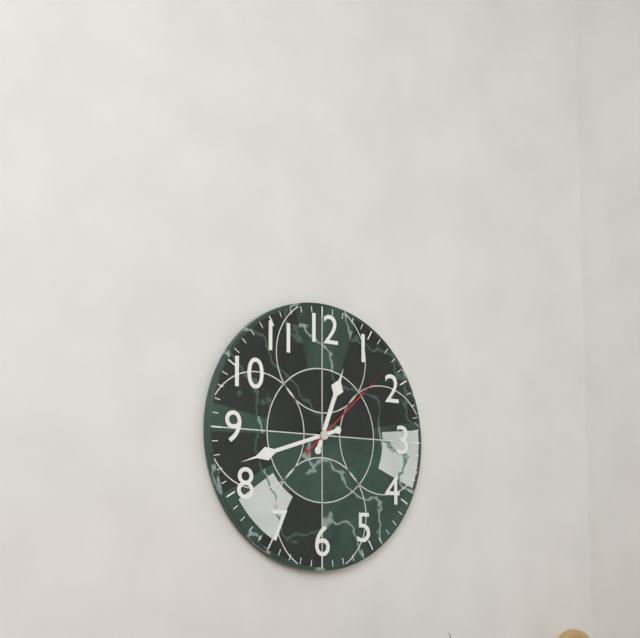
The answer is 12:42:08
